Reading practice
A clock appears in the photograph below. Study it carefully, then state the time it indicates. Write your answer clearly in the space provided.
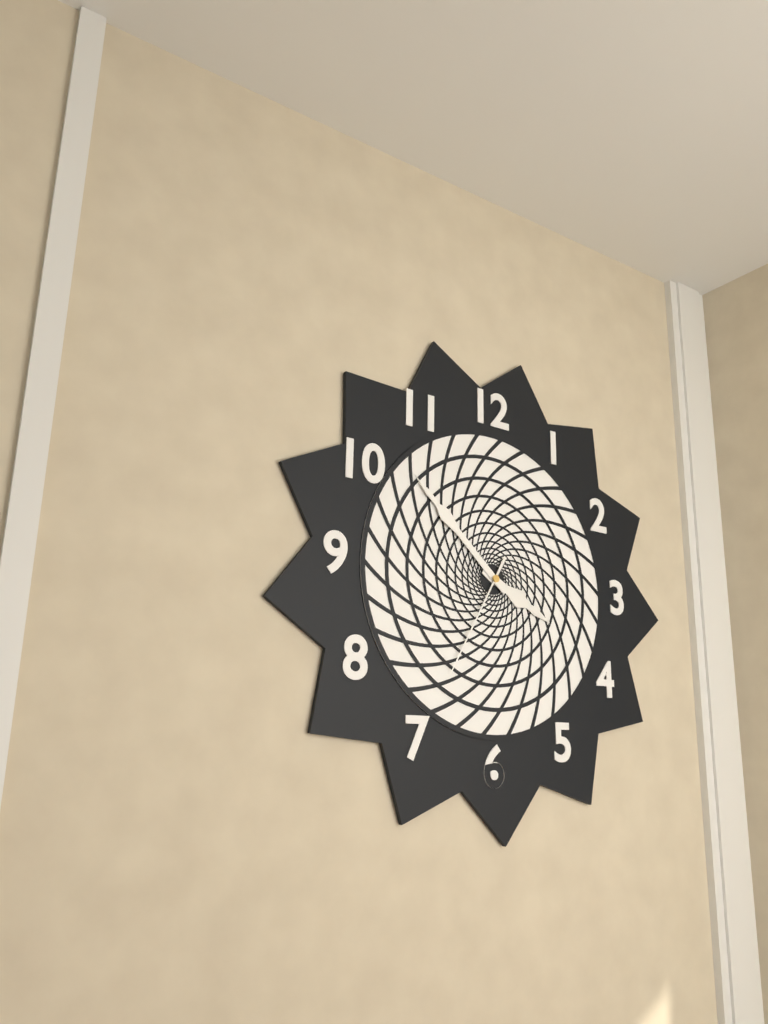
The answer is 3:52:35
